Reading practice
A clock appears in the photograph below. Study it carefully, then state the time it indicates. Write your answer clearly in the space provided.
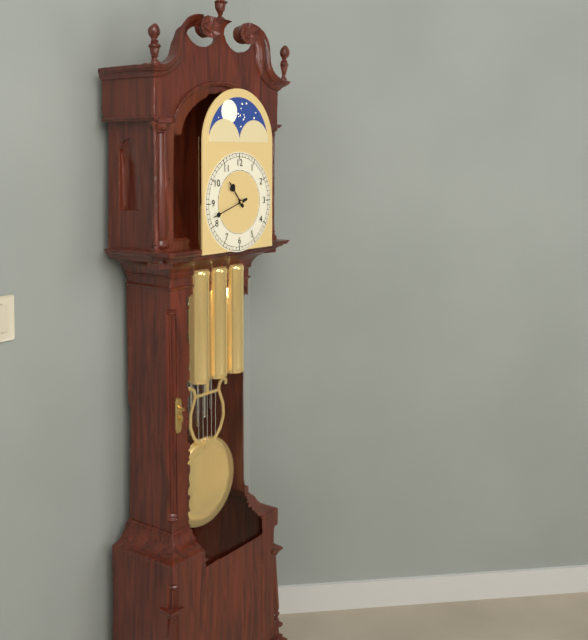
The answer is 10:42
